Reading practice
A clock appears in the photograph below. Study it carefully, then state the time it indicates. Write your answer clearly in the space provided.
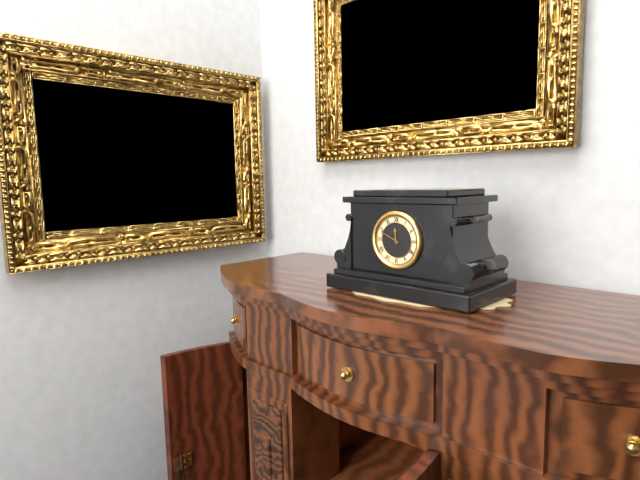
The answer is 11:49
